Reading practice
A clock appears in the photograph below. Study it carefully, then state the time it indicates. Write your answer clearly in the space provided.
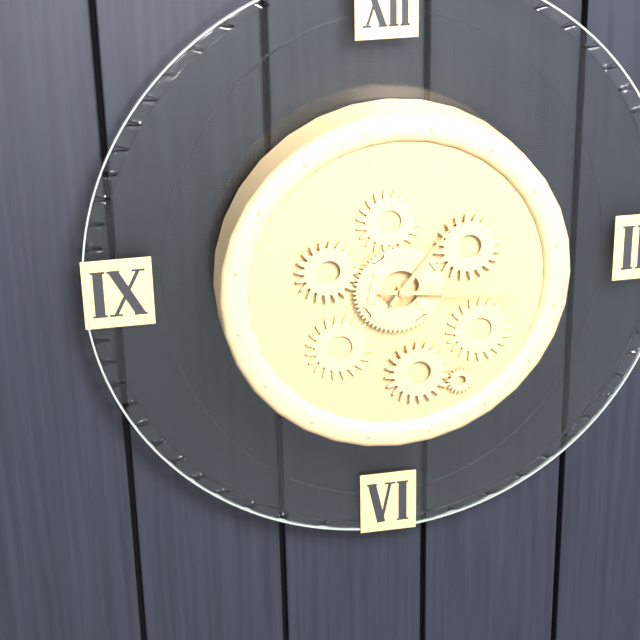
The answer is 1:16
